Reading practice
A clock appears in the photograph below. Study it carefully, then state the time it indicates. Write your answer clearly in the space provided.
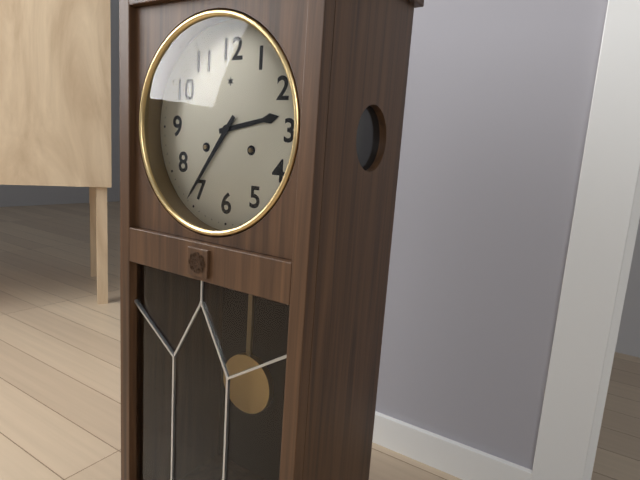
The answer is 2:36
